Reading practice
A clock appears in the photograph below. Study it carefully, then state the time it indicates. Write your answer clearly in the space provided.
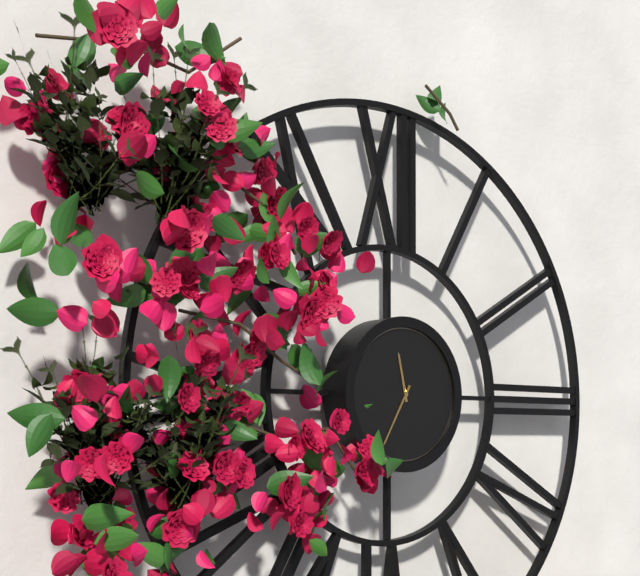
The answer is 11:35
